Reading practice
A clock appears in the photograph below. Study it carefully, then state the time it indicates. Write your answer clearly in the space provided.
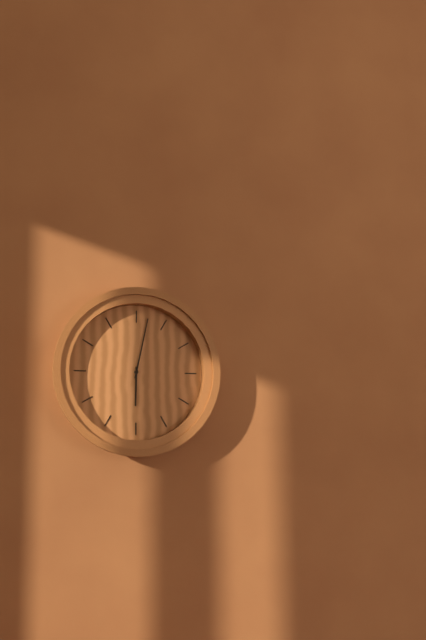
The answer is 6:02
